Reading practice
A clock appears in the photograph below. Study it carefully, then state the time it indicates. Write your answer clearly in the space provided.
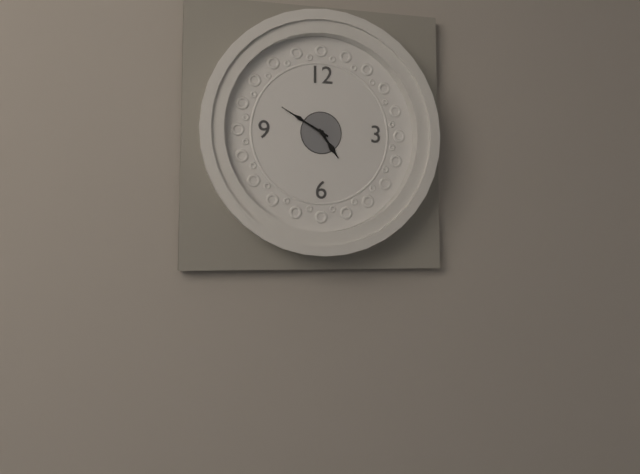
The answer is 4:50
